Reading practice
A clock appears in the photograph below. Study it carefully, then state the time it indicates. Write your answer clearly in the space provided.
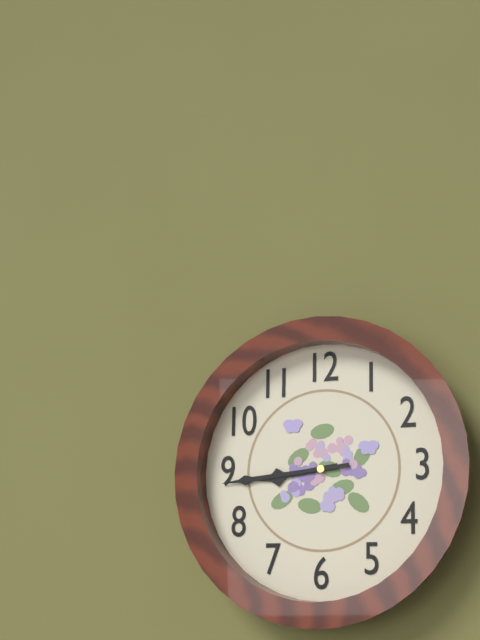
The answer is 8:44
